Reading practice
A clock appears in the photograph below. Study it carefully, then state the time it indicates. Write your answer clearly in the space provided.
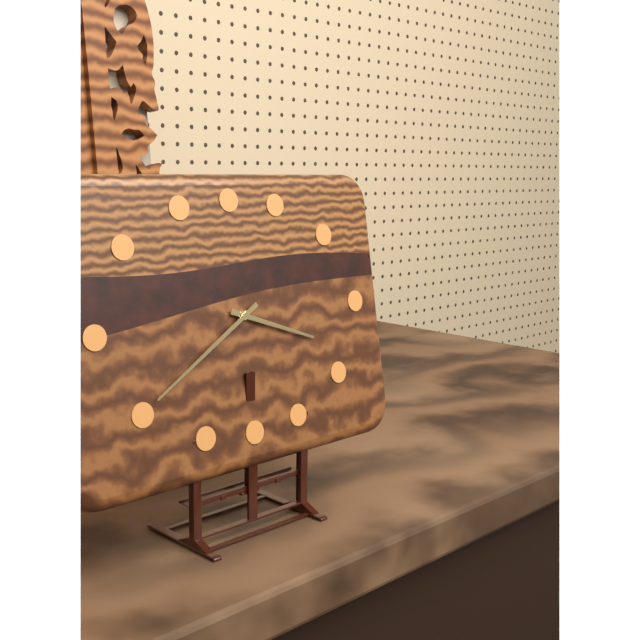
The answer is 3:40
